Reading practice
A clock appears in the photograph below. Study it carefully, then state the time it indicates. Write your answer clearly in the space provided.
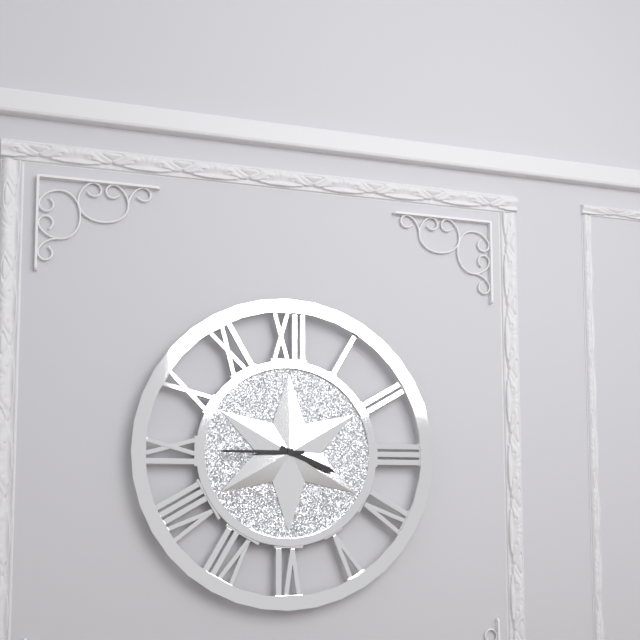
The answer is 3:45
